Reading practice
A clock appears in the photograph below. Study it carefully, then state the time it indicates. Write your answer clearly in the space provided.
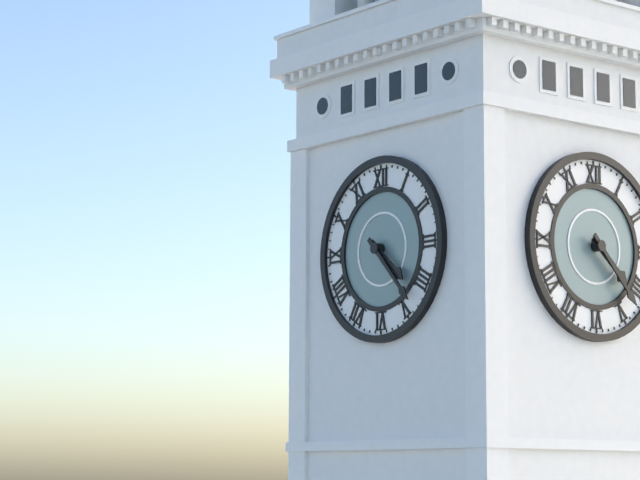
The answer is 4:23
